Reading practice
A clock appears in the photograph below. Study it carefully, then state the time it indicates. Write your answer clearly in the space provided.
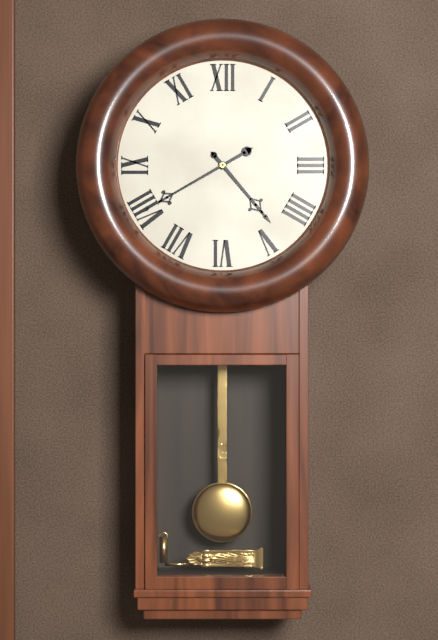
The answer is 4:40
